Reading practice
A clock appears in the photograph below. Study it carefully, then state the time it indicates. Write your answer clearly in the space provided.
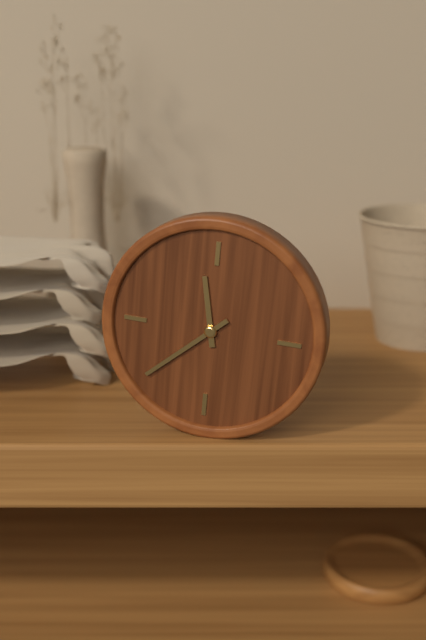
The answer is 11:38
